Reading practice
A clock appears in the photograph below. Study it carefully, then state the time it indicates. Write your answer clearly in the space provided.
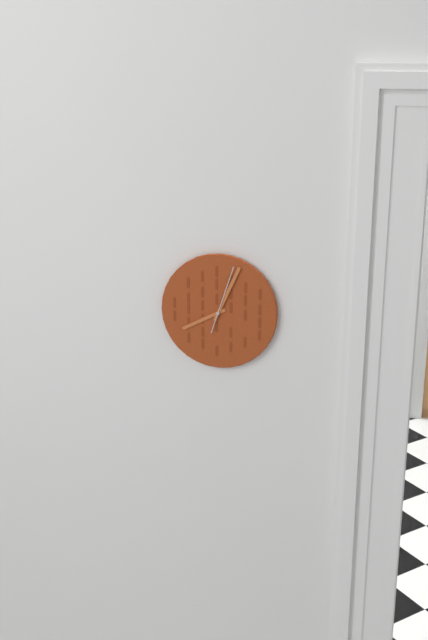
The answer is 8:04:03
